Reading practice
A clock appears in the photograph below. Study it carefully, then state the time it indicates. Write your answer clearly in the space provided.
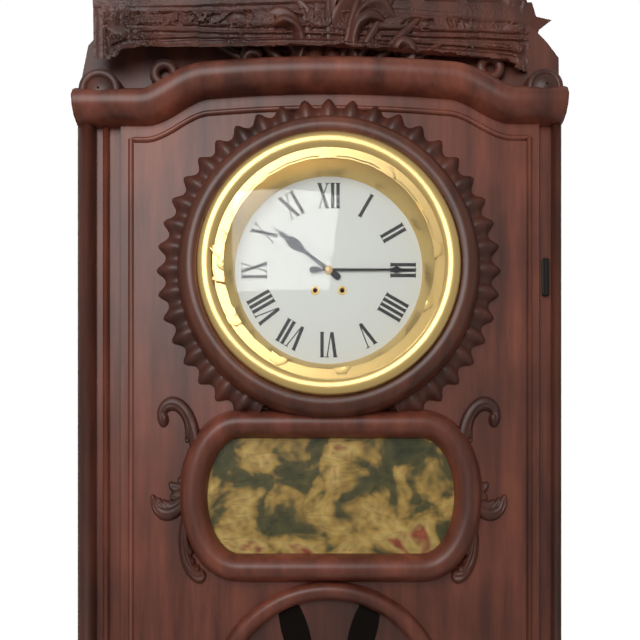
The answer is 10:15
